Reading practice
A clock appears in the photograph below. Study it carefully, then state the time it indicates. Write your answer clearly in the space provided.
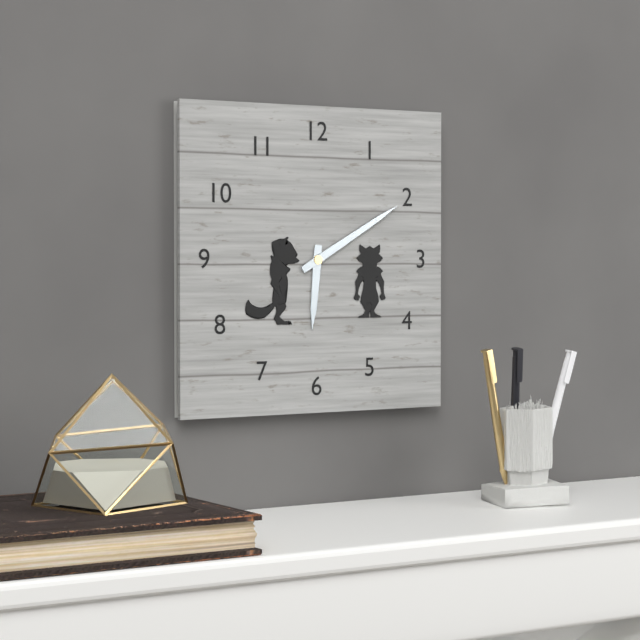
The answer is 6:10
